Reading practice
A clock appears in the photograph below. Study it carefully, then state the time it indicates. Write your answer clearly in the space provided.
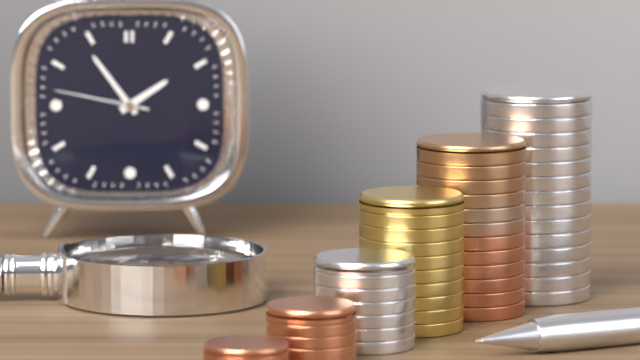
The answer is 1:54:47
